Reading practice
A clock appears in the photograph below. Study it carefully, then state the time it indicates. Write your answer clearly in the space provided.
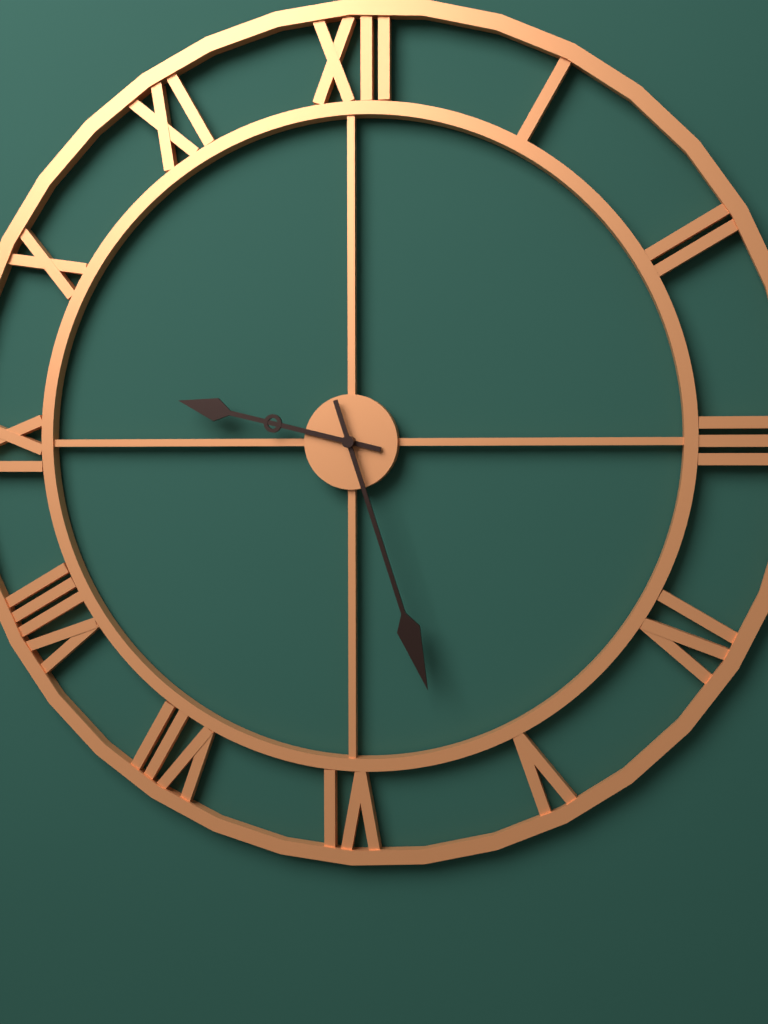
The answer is 9:27
